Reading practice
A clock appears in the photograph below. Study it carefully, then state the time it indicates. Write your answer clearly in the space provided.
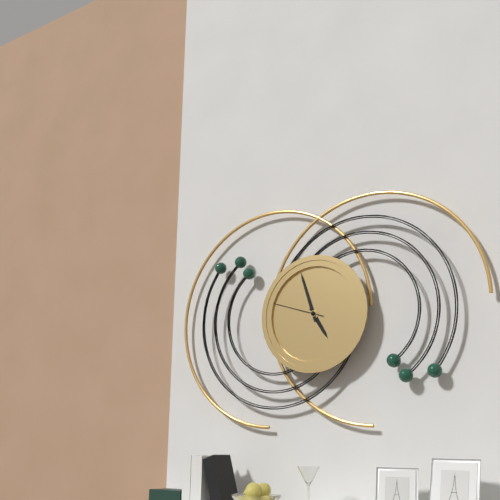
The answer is 4:57:48
